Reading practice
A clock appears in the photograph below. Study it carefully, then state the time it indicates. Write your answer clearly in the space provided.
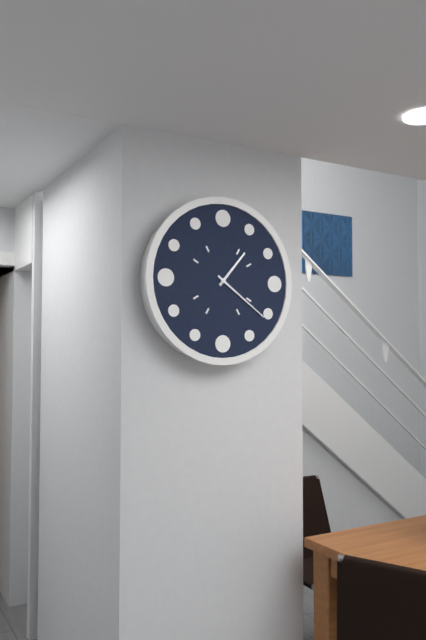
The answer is 1:21
